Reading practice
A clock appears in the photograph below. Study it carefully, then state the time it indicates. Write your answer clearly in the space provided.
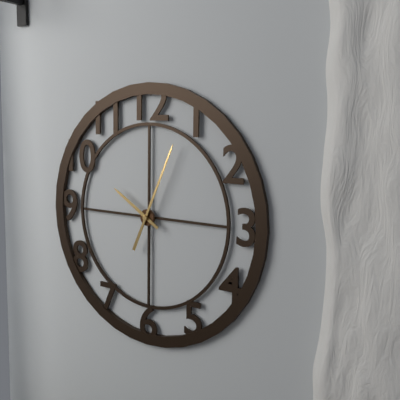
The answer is 10:04
